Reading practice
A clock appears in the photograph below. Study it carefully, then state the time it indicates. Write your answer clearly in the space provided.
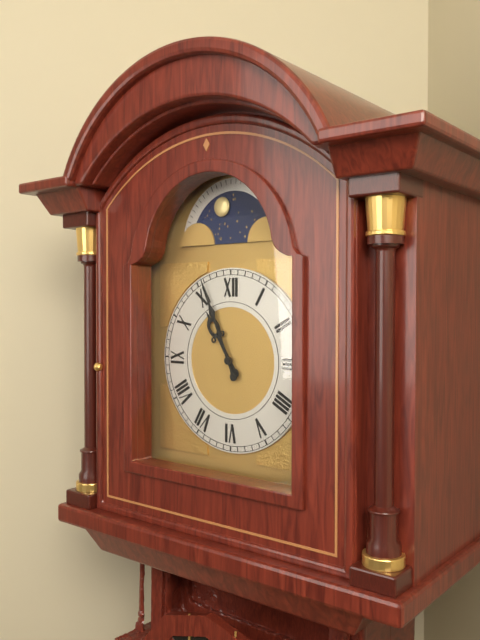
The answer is 10:56
